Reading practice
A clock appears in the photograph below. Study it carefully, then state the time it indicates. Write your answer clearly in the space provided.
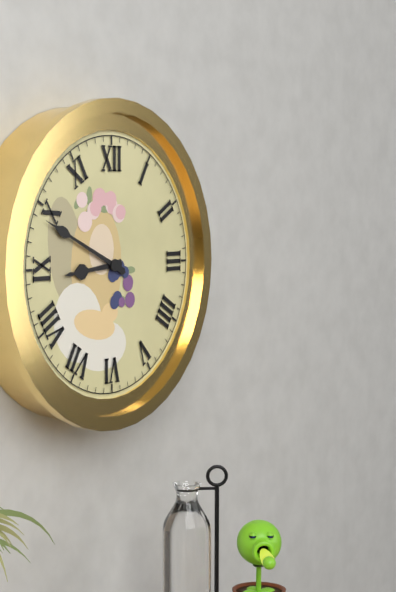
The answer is 8:49
